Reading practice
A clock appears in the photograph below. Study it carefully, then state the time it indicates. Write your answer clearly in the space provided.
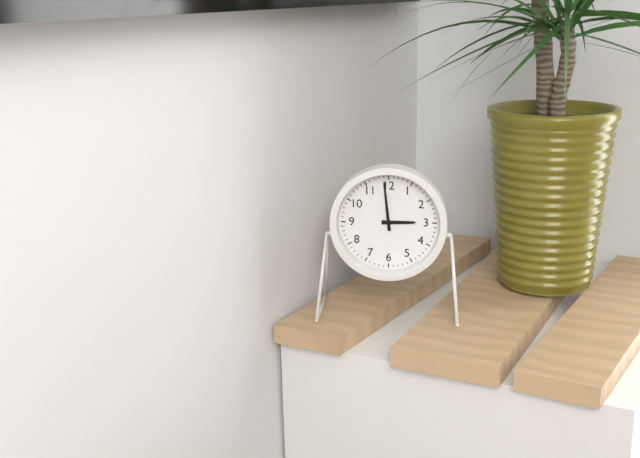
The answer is 2:59
